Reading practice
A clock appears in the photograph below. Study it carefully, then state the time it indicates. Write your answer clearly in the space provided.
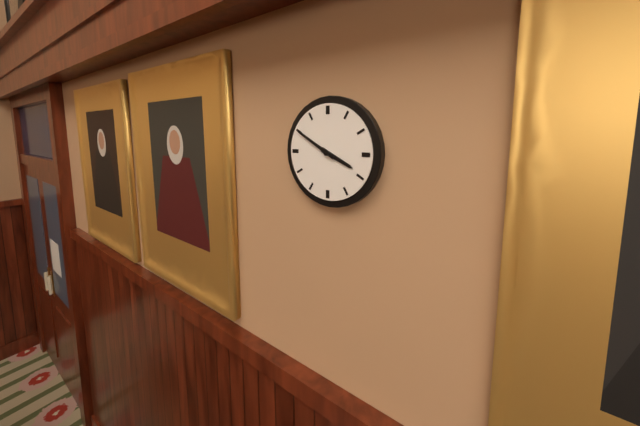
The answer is 3:50
